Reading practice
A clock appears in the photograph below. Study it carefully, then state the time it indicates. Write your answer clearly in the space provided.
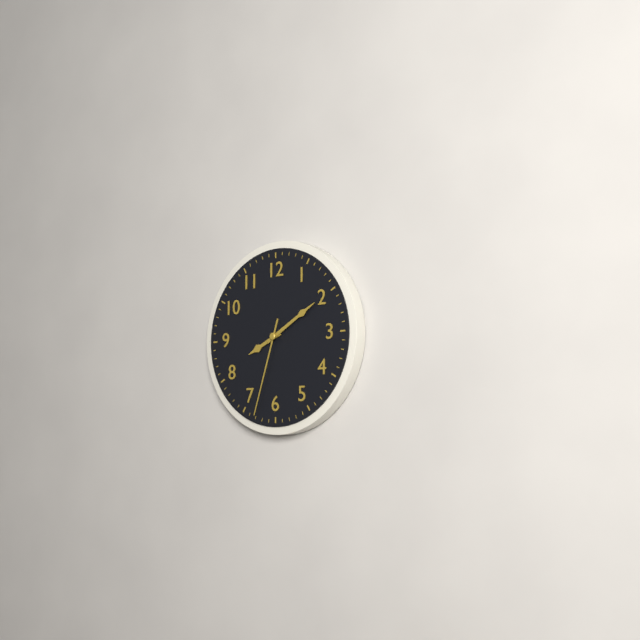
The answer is 8:10:33
